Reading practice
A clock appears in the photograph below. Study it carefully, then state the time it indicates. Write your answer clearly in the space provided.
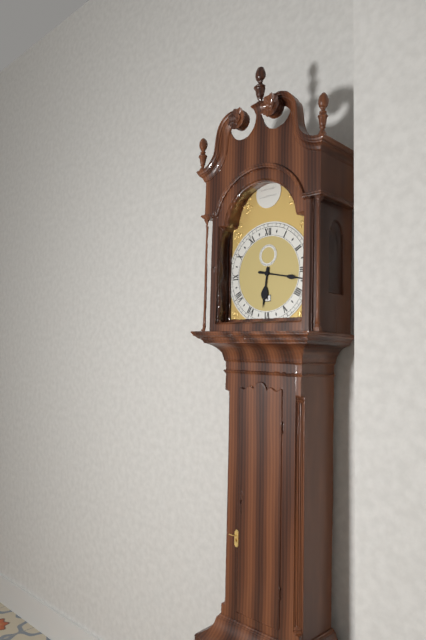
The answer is 6:17
